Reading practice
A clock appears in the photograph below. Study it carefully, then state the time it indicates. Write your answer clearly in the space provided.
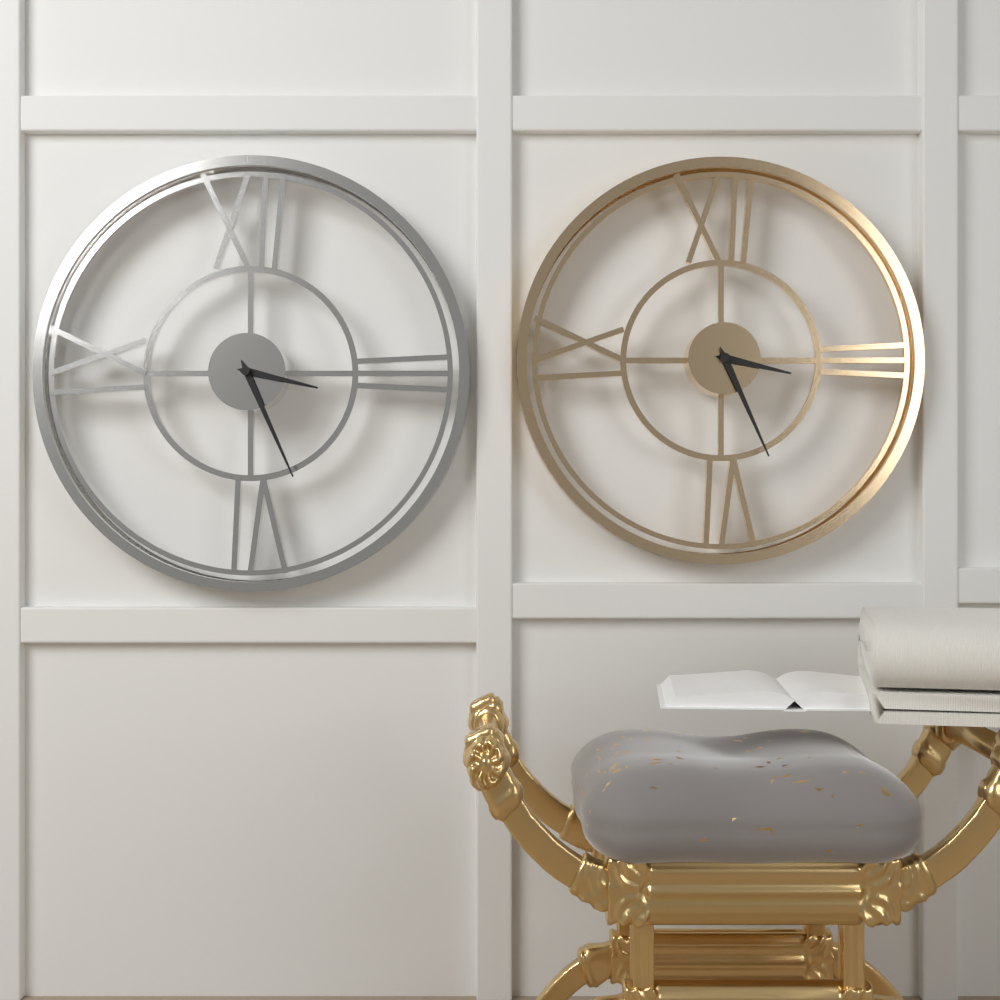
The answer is 3:26
